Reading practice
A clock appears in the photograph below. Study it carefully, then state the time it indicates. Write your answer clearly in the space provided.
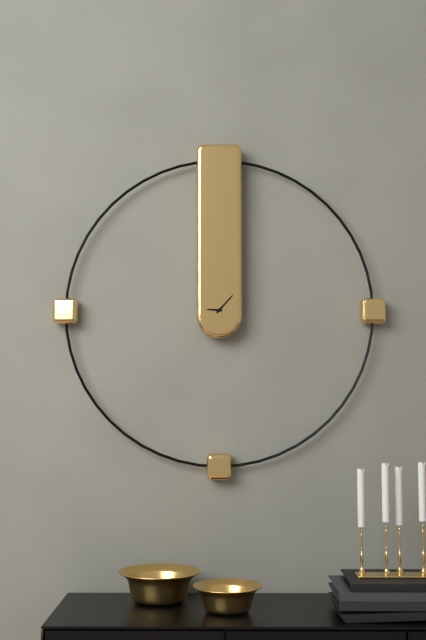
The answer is 9:07
